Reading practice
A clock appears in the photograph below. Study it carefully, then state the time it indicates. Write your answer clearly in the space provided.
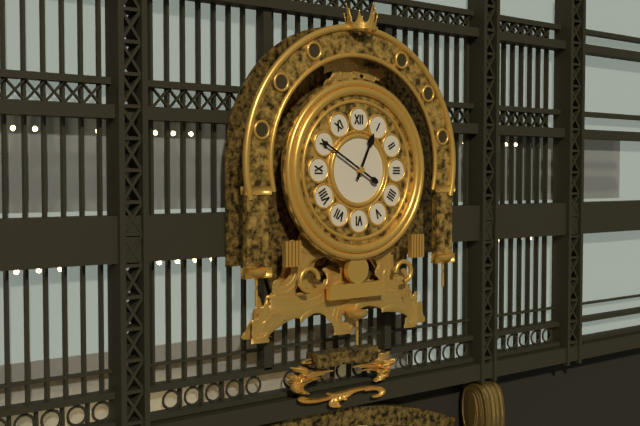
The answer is 12:50
